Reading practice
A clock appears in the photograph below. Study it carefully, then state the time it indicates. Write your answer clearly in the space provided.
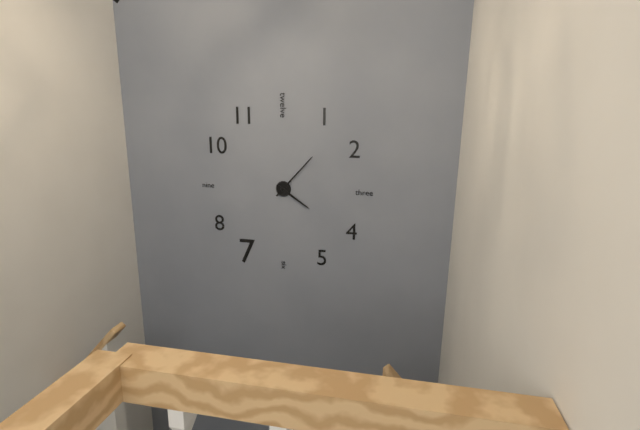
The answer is 4:07
